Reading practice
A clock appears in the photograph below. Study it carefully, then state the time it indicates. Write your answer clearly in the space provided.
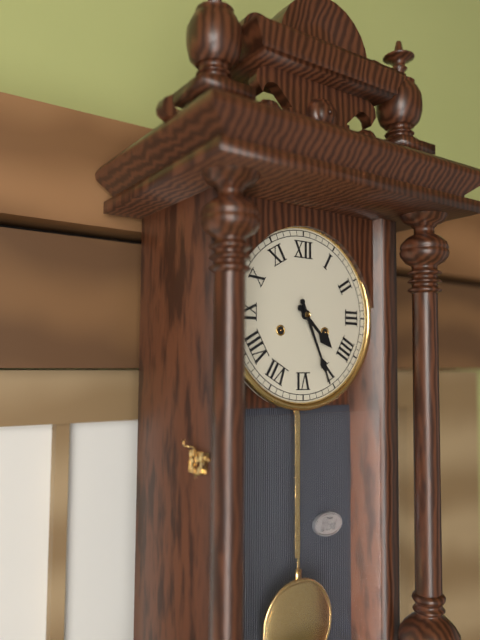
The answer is 4:26
